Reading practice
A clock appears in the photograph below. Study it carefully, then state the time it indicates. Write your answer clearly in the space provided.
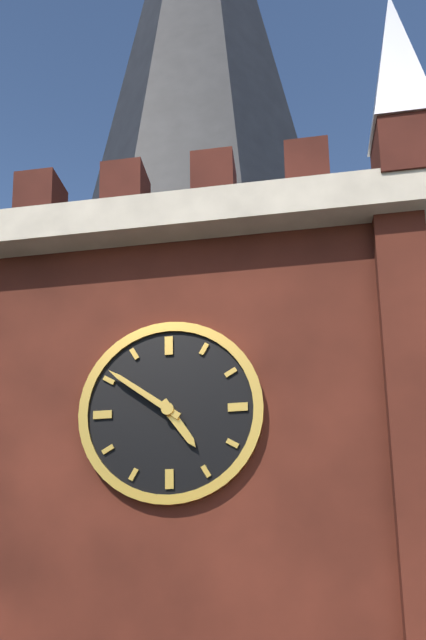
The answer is 4:51
